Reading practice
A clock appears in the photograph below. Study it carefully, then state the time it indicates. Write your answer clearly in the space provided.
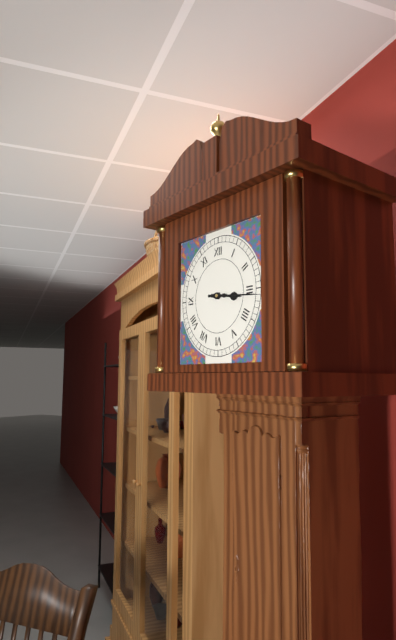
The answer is 3:16
